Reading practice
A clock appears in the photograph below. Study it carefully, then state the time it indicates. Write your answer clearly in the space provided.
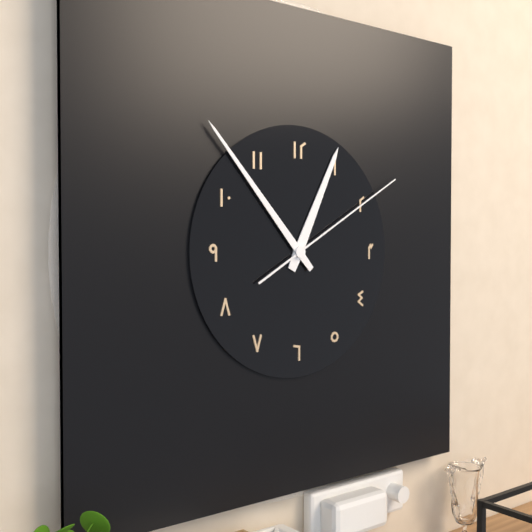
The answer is 12:53:10
